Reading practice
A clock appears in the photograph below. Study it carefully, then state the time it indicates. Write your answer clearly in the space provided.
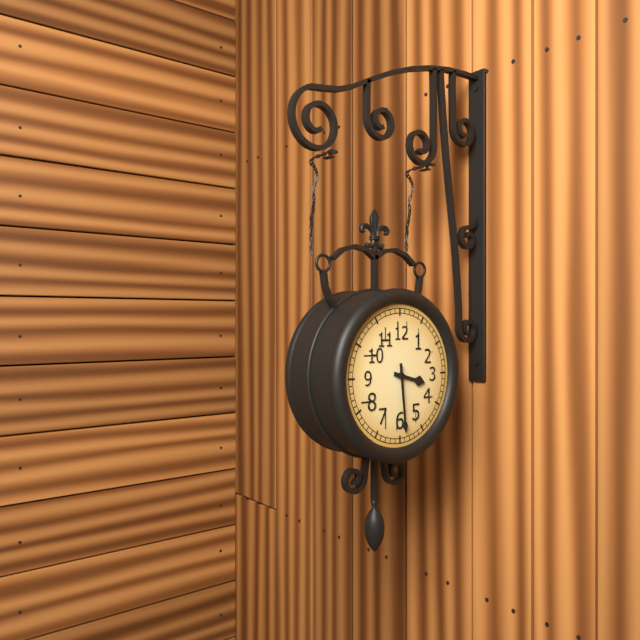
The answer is 3:29
